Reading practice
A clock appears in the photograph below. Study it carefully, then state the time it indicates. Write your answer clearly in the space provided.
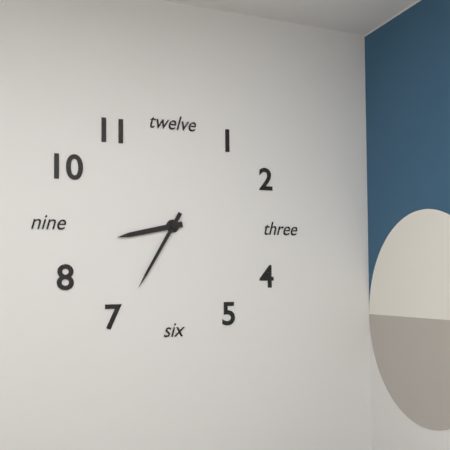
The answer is 8:35
